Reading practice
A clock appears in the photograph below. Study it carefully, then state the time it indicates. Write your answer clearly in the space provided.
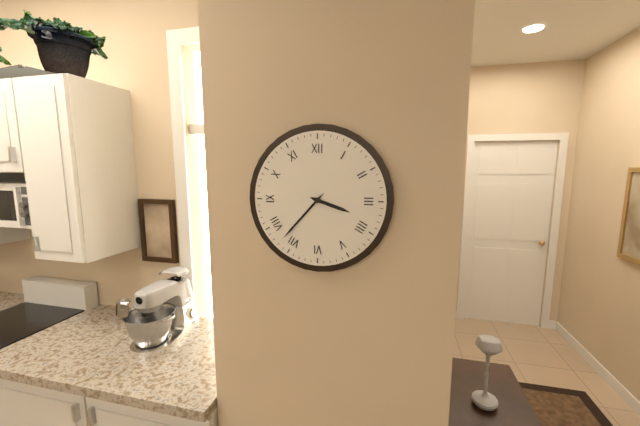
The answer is 3:37
